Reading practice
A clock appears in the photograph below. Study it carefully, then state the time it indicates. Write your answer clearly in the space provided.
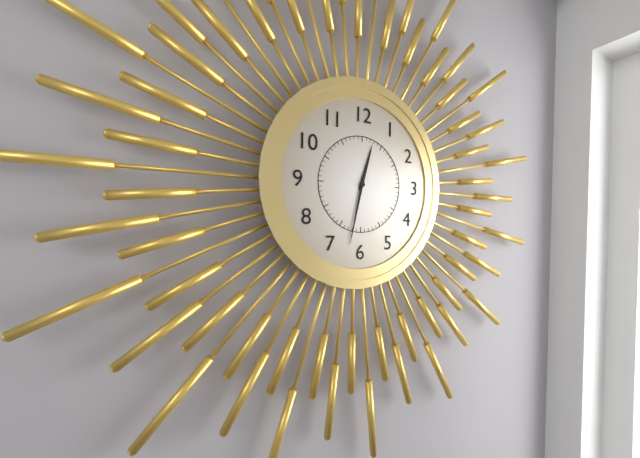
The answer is 12:32
